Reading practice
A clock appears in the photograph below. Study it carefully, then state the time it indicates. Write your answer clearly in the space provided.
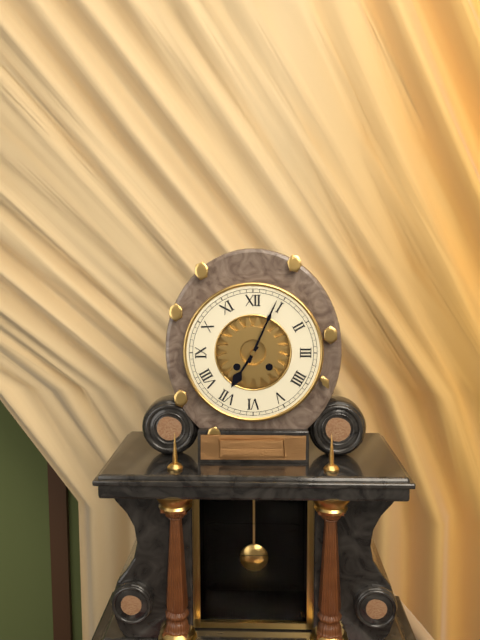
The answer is 7:04
